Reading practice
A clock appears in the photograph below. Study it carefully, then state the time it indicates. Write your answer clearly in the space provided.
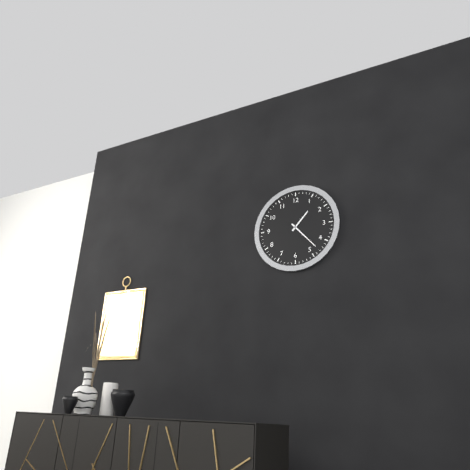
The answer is 1:23
